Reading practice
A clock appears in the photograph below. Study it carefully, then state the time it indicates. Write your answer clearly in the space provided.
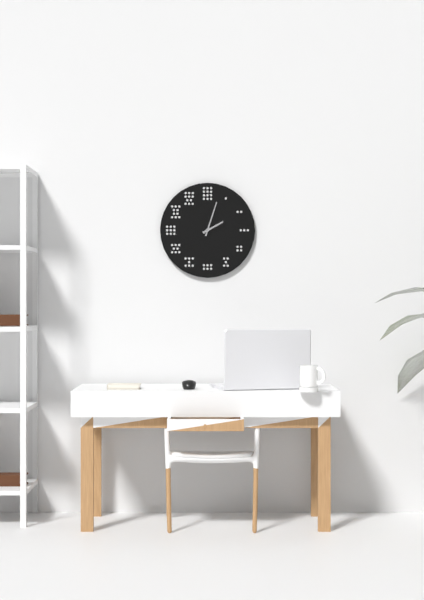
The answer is 2:03
